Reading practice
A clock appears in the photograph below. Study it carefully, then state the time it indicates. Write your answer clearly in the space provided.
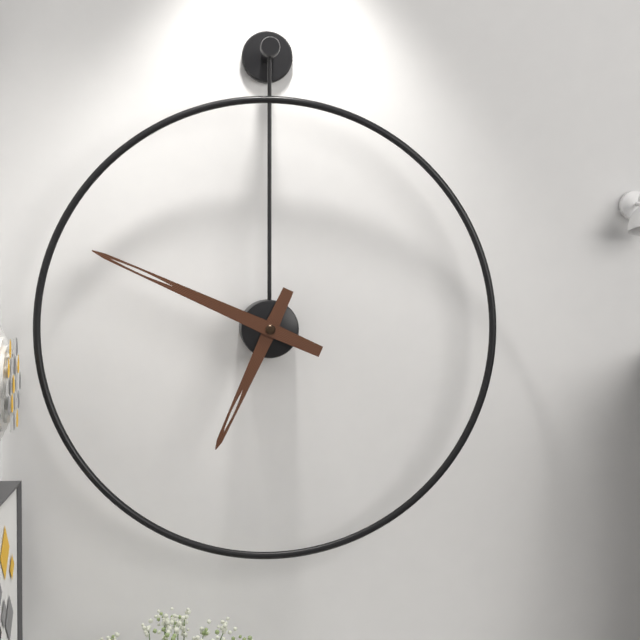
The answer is 6:49
